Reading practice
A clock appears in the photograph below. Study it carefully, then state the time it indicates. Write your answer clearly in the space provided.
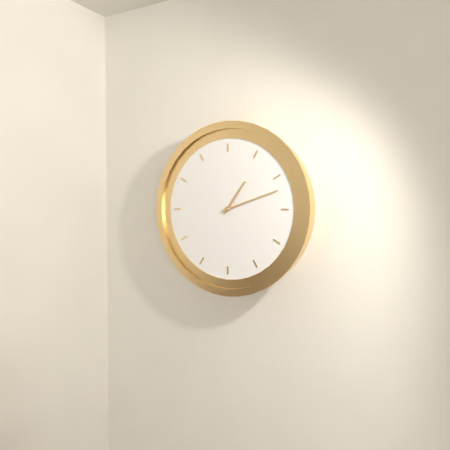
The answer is 1:12
